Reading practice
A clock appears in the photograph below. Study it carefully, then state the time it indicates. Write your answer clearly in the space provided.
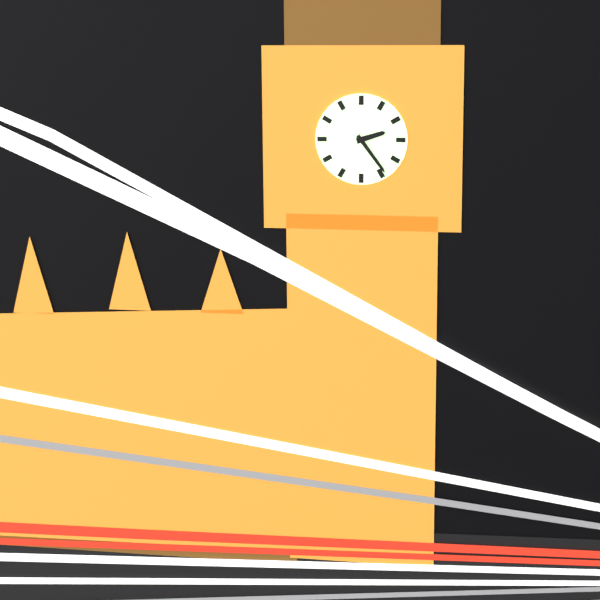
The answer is 2:24
